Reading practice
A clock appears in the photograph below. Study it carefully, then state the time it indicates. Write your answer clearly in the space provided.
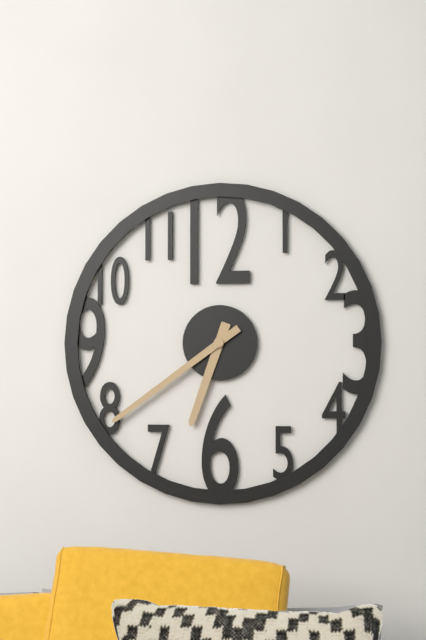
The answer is 6:39
